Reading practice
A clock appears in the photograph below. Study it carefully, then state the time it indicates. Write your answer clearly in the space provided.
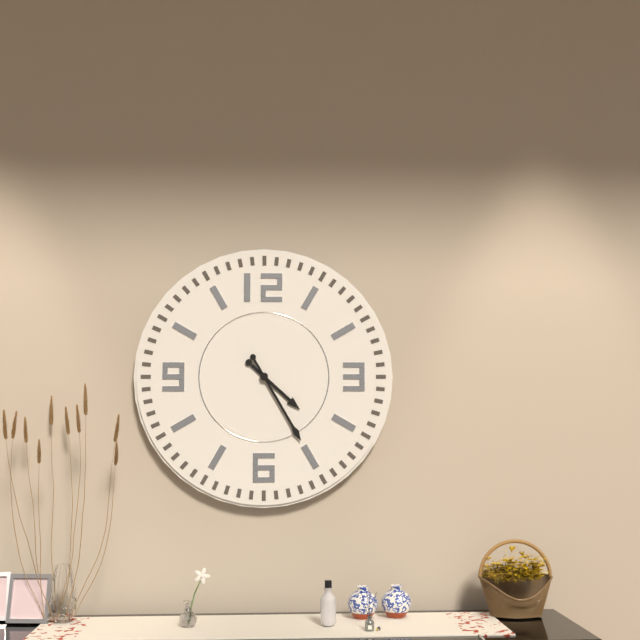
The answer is 4:25
